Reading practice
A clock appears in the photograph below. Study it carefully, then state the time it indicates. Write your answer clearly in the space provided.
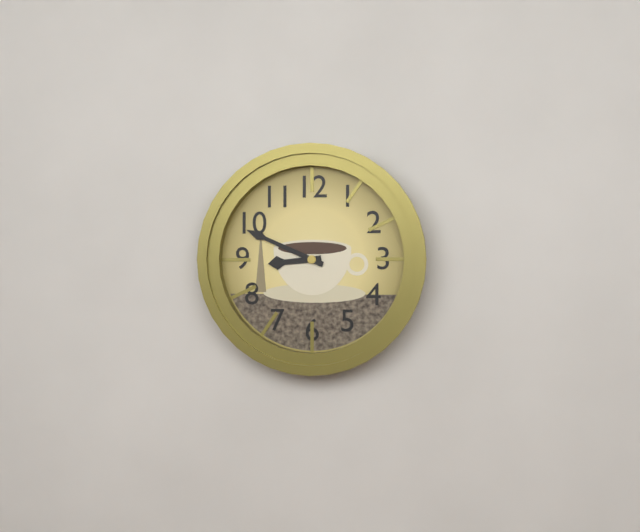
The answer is 8:49
